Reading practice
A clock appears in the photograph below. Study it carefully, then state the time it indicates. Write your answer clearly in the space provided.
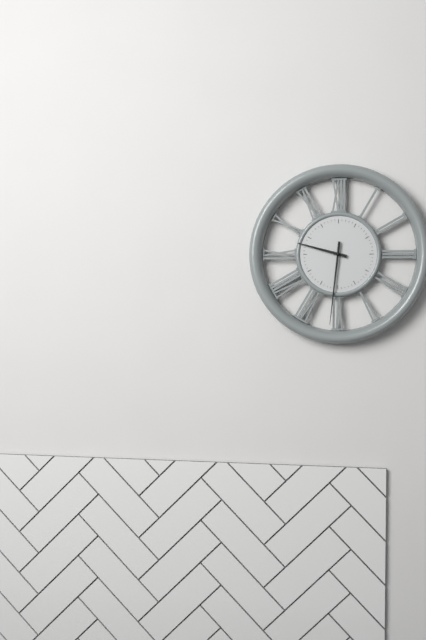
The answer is 9:31
